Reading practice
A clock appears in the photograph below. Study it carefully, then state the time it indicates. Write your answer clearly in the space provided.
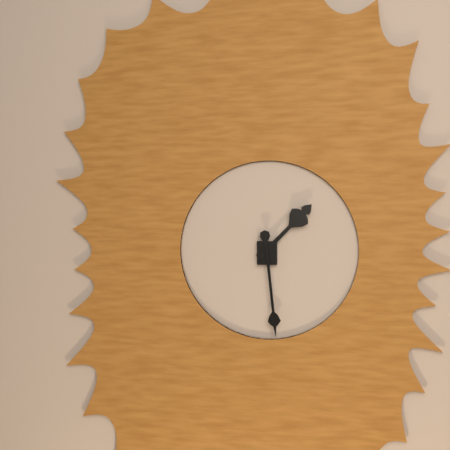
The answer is 1:29
